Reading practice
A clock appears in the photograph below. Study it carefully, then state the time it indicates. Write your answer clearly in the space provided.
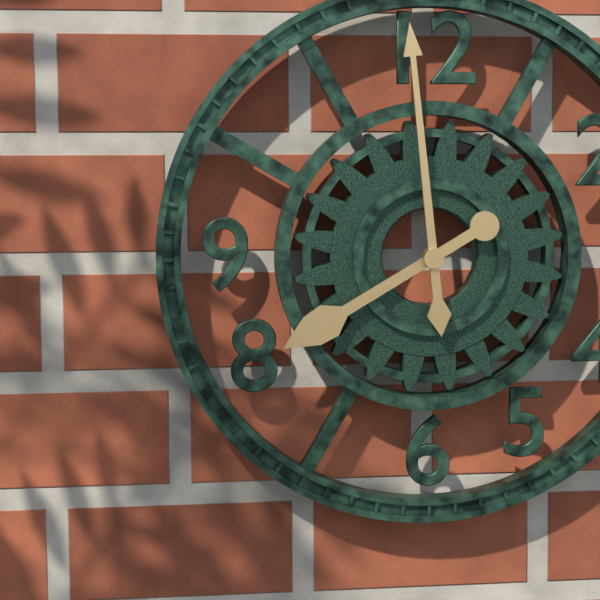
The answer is 7:59
